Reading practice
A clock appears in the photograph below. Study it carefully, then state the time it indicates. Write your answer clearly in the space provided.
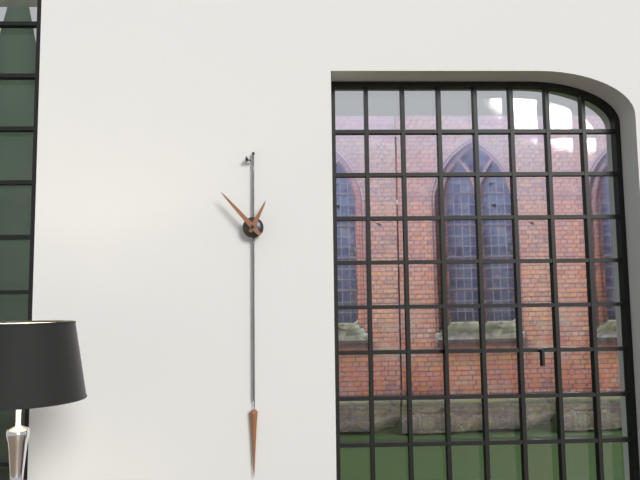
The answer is 12:53
